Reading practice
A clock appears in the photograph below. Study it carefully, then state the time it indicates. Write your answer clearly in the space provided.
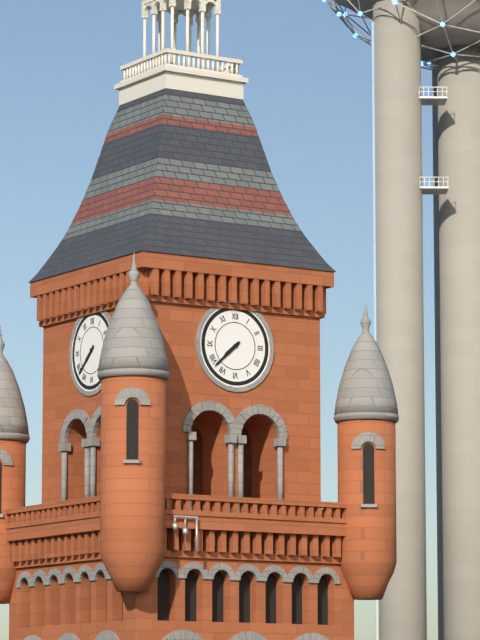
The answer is 7:38
